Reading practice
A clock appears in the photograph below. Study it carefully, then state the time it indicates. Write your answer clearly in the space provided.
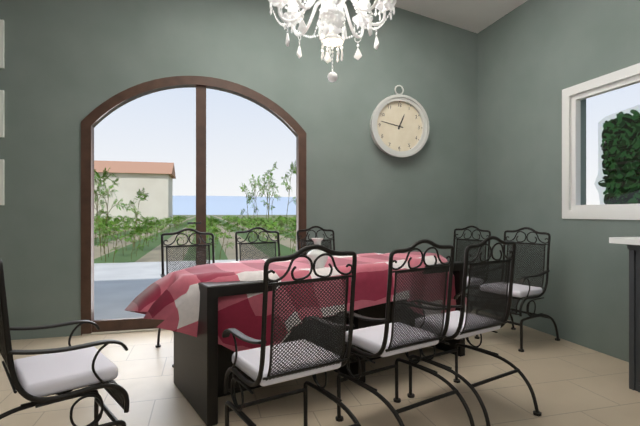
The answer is 12:47
